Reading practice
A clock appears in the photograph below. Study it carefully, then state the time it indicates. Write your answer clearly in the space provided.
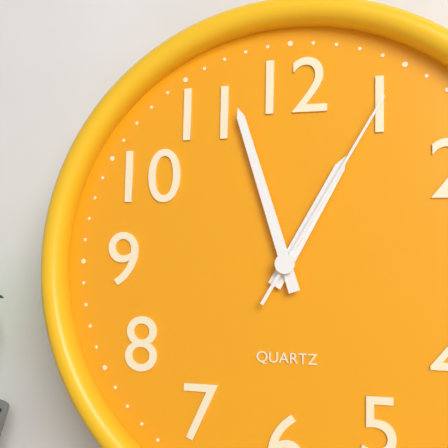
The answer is 12:57:05
